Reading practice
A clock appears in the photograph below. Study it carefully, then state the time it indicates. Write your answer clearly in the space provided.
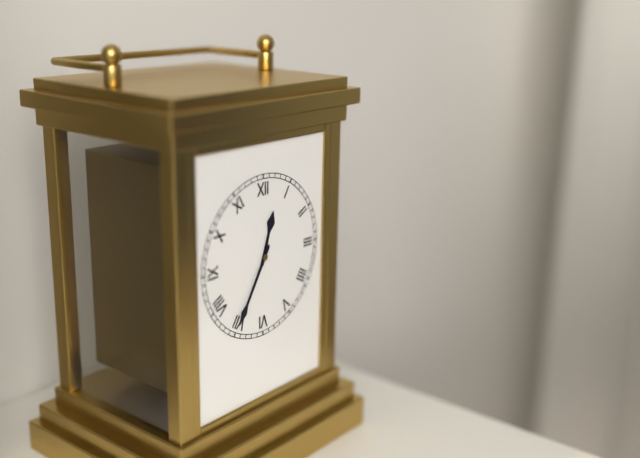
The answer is 12:35
